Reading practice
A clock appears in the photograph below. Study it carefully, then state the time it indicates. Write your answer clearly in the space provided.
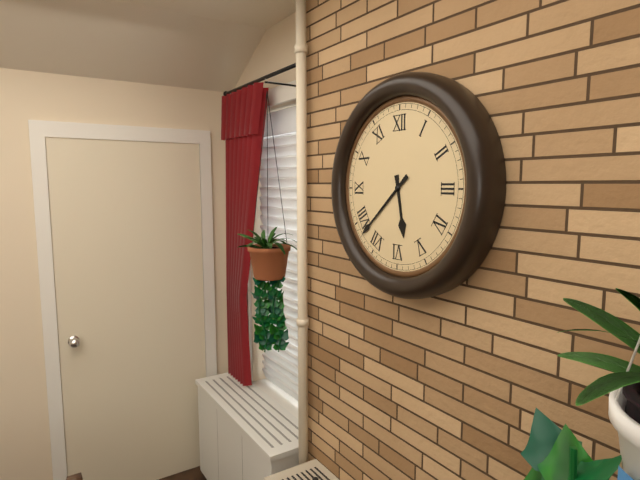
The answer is 5:38
